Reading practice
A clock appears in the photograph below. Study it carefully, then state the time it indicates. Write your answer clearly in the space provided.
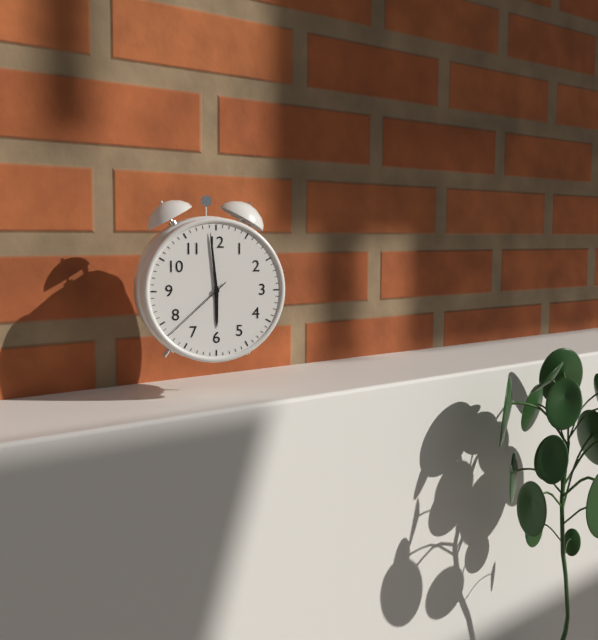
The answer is 5:59:38
